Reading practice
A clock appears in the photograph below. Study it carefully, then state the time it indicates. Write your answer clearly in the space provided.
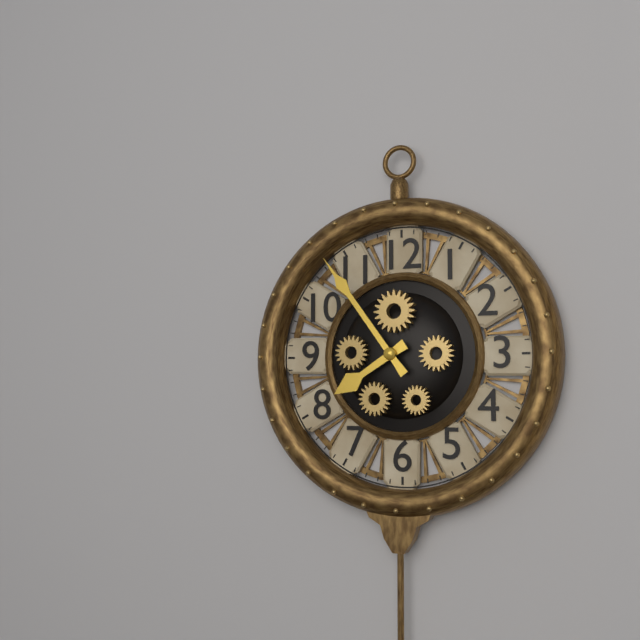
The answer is 7:54
